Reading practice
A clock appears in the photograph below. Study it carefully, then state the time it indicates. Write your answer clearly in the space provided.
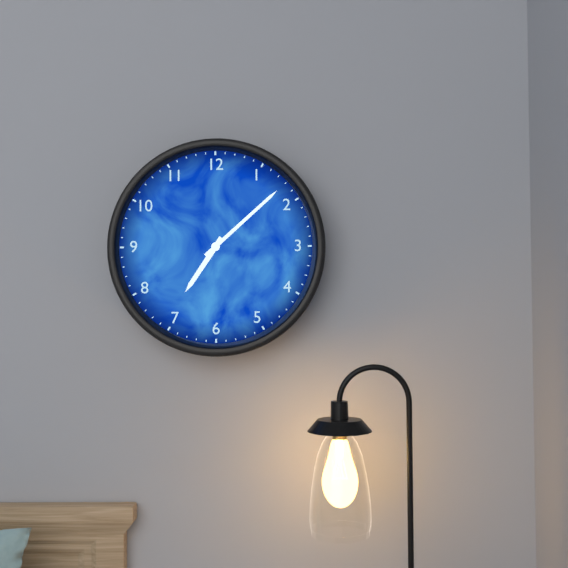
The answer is 7:08
